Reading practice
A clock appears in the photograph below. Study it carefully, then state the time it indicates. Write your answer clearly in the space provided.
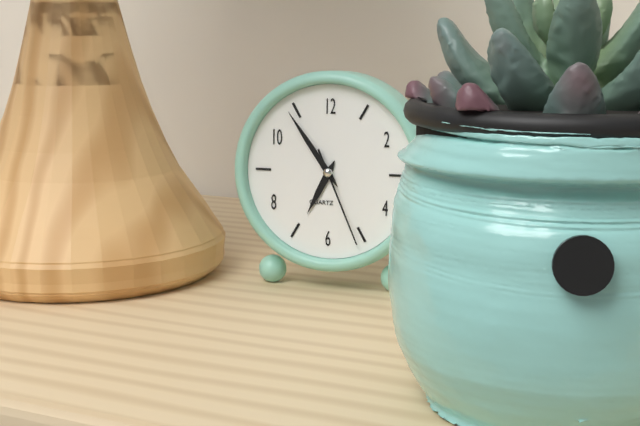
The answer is 6:54:26
